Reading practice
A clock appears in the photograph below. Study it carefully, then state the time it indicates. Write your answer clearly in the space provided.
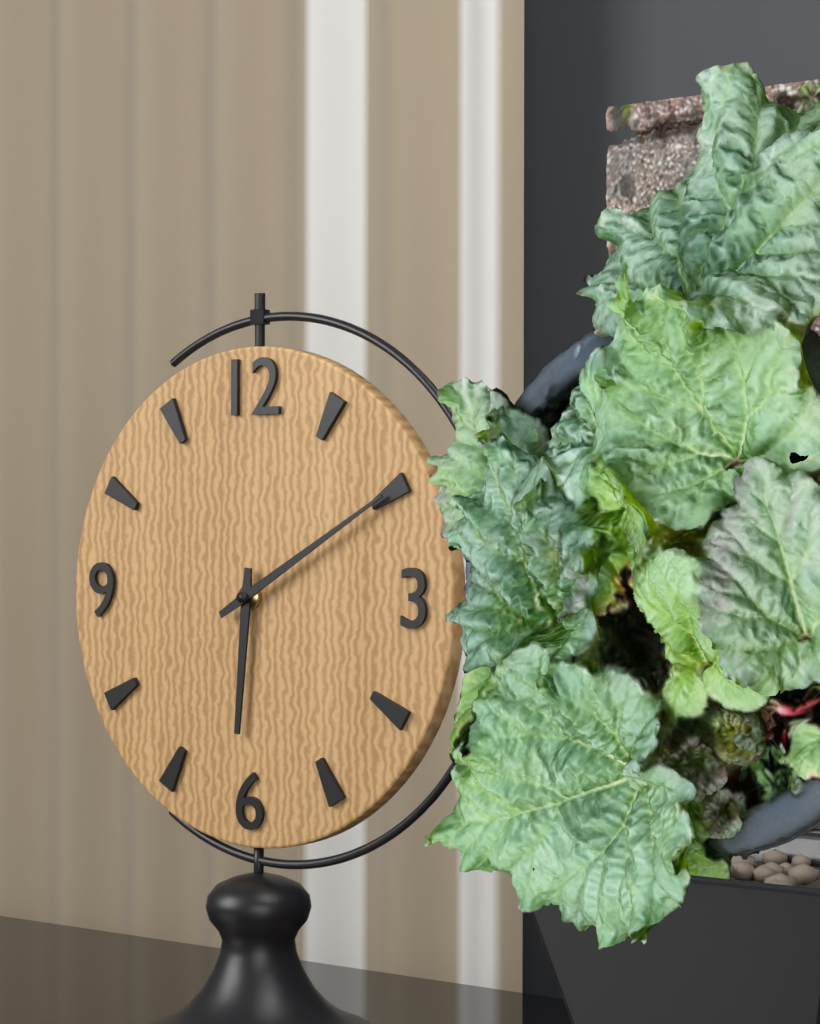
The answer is 6:10
